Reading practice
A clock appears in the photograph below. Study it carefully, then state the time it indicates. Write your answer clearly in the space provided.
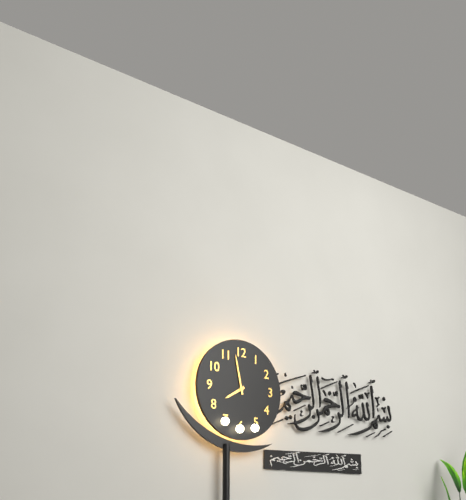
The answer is 7:58
